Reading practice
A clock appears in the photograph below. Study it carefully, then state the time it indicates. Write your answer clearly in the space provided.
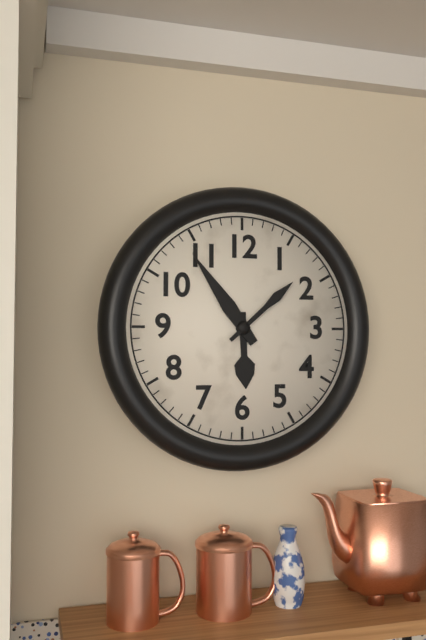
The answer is 5:54:08
